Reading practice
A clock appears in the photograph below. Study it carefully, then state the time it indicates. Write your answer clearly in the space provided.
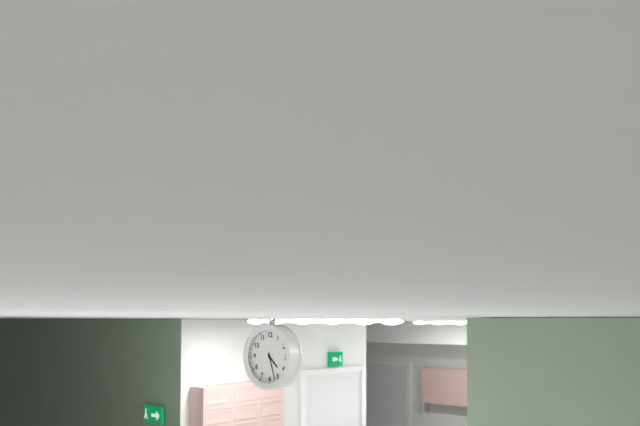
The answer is 4:27
